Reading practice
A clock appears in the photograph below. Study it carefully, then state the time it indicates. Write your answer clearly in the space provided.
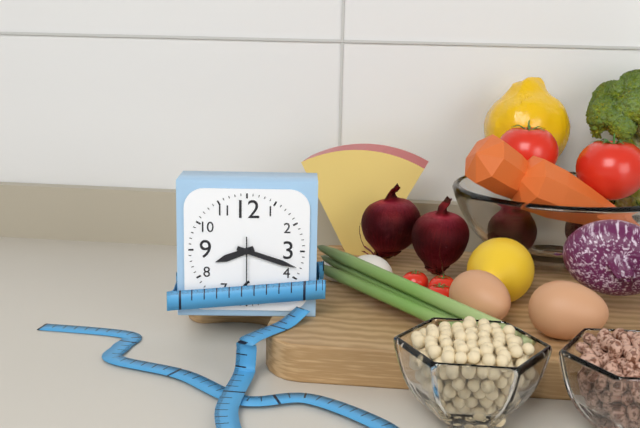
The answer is 8:18
